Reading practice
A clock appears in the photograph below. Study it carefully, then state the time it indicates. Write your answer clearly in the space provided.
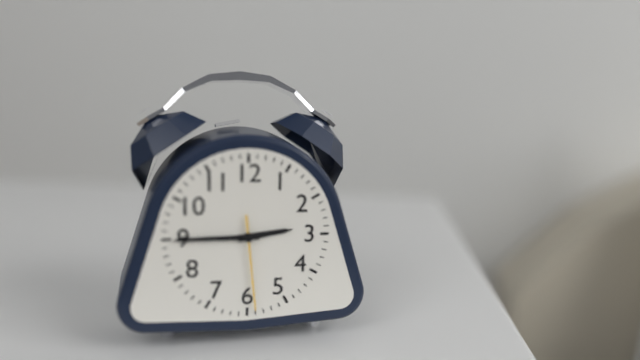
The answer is 2:45:29
